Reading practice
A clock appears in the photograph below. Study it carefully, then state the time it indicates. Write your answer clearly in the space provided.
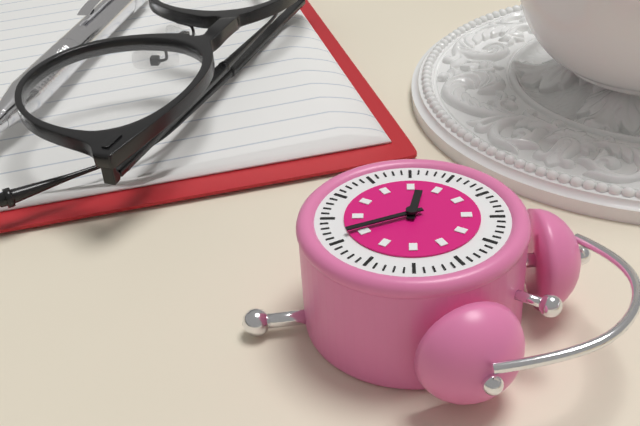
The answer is 8:21
